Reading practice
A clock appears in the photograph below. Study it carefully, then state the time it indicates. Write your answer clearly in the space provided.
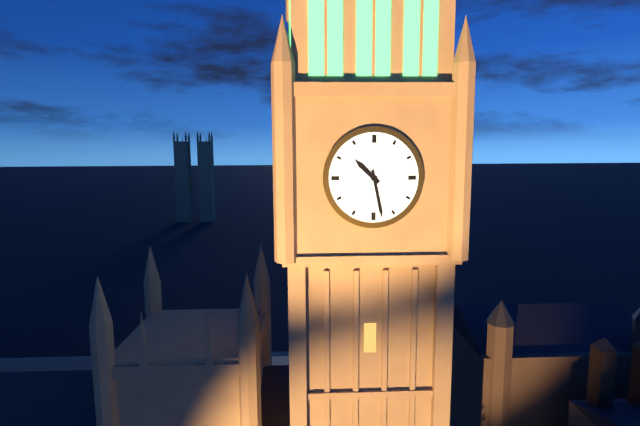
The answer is 10:28
